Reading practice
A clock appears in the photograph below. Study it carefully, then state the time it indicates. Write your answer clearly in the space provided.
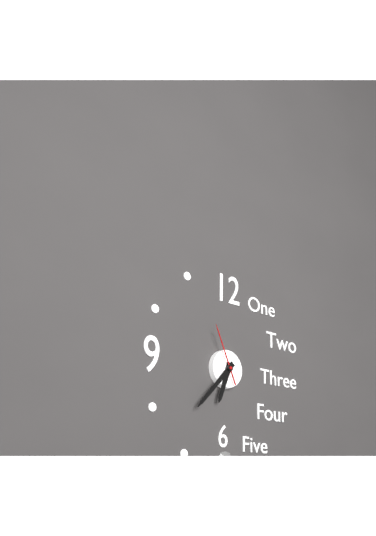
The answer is 6:37:56
